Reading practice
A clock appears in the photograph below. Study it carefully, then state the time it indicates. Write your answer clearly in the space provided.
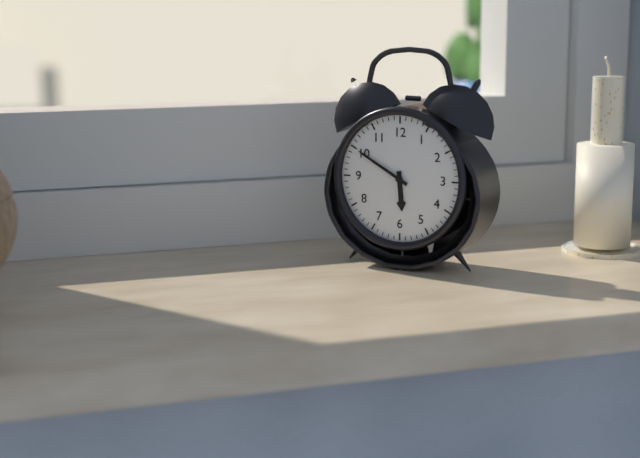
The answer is 5:50
